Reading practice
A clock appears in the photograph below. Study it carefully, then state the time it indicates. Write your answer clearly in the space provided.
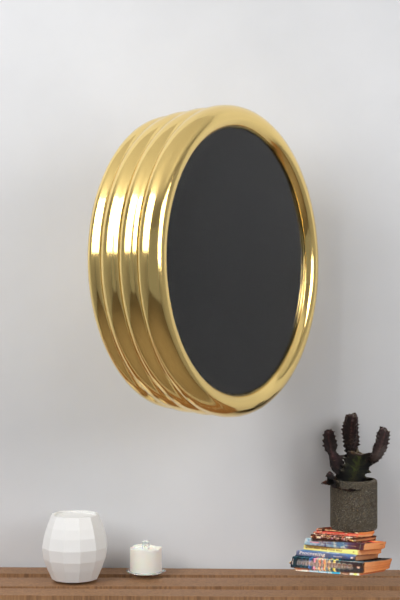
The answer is 4:28:23
